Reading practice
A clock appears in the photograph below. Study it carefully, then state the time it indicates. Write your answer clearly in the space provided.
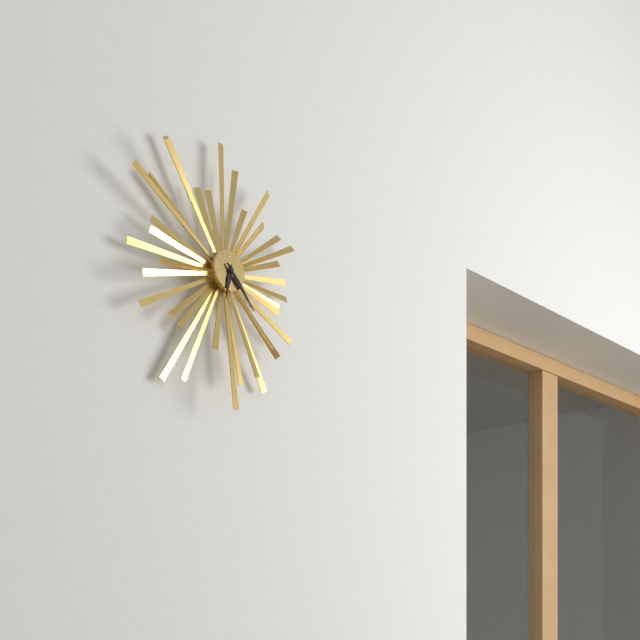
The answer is 6:23
